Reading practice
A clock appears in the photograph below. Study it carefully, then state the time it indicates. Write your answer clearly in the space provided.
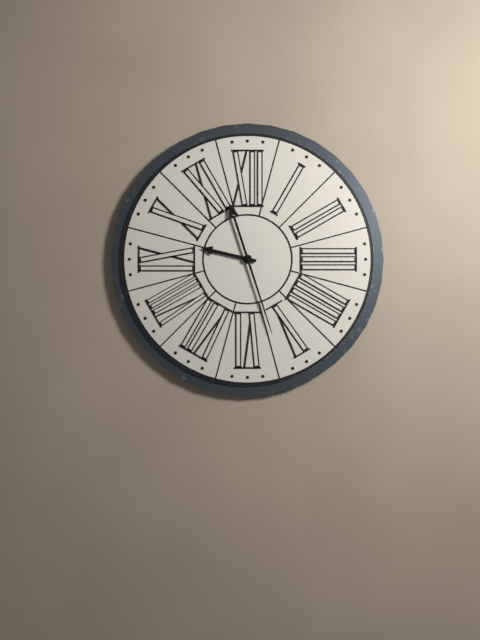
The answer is 9:27
